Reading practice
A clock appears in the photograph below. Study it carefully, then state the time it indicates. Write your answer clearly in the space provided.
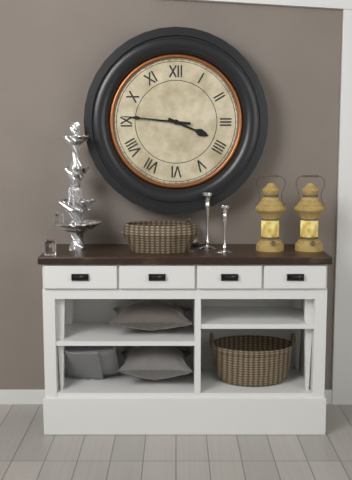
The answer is 3:46
